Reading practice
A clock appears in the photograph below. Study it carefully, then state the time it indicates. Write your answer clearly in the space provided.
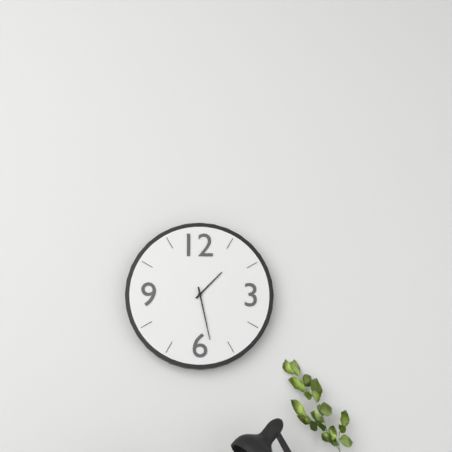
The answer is 1:28
